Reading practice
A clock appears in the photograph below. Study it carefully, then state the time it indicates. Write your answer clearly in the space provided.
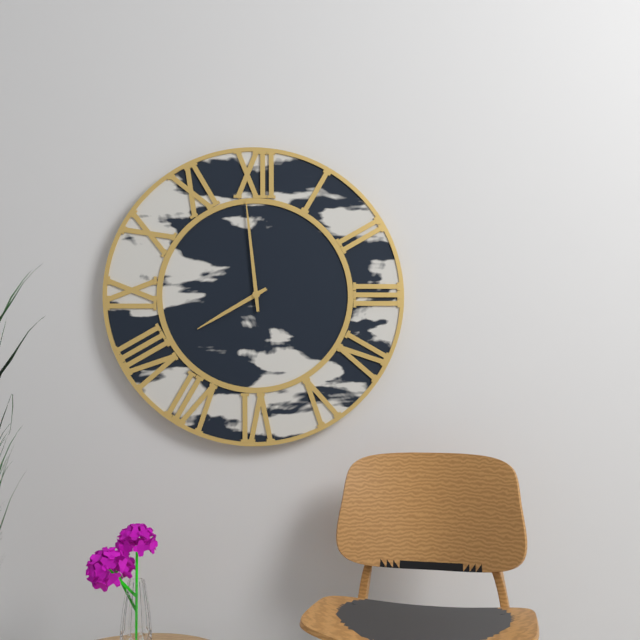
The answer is 7:59
